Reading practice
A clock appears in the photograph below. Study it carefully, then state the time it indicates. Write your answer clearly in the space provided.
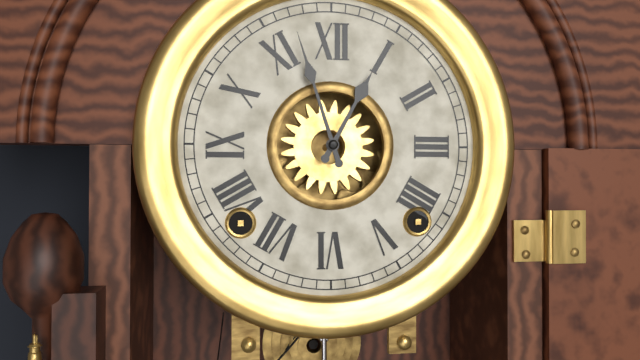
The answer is 12:57
